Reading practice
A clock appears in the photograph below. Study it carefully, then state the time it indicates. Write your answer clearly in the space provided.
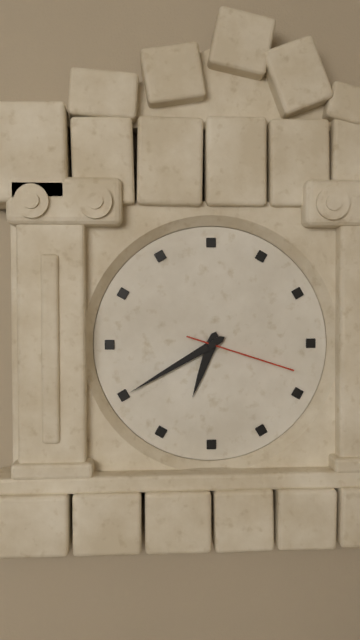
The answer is 6:40:18
